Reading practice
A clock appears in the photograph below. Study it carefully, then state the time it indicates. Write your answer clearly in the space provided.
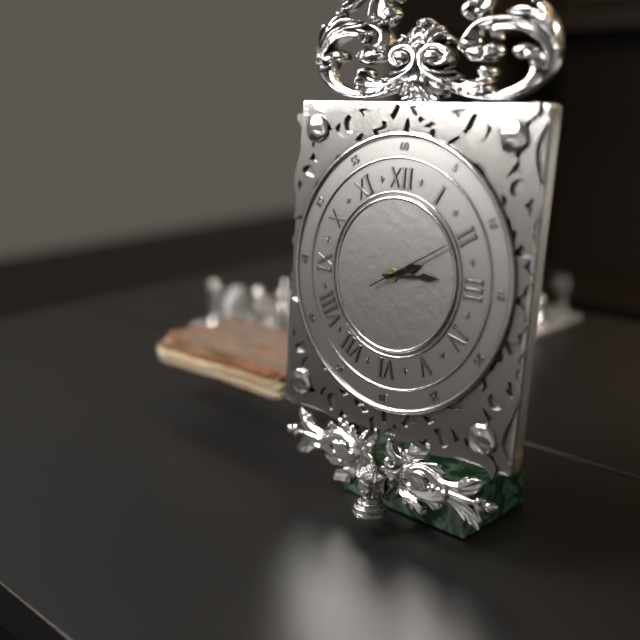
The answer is 2:14:10
